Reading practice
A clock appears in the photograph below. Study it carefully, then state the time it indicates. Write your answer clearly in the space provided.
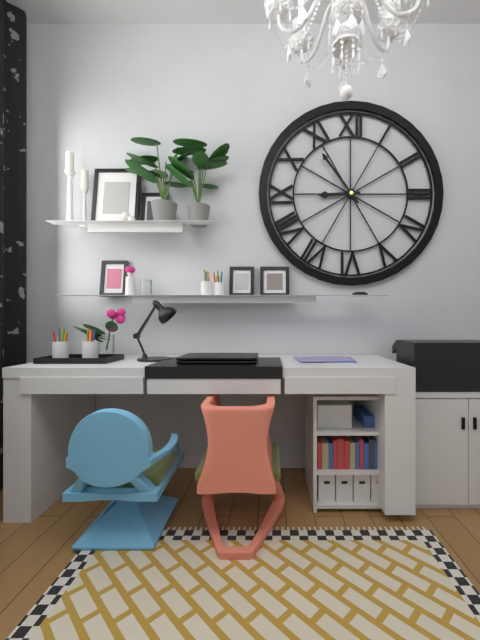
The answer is 8:54
